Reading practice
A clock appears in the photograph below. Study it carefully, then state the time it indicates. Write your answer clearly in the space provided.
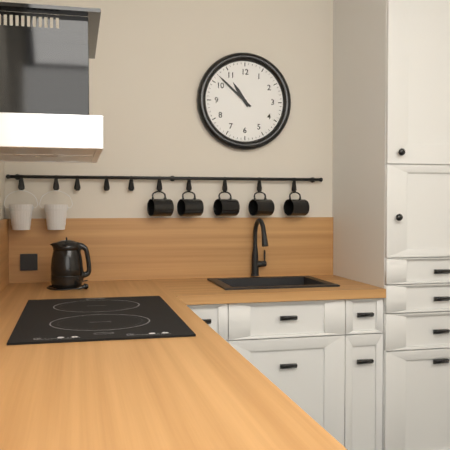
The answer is 10:52
